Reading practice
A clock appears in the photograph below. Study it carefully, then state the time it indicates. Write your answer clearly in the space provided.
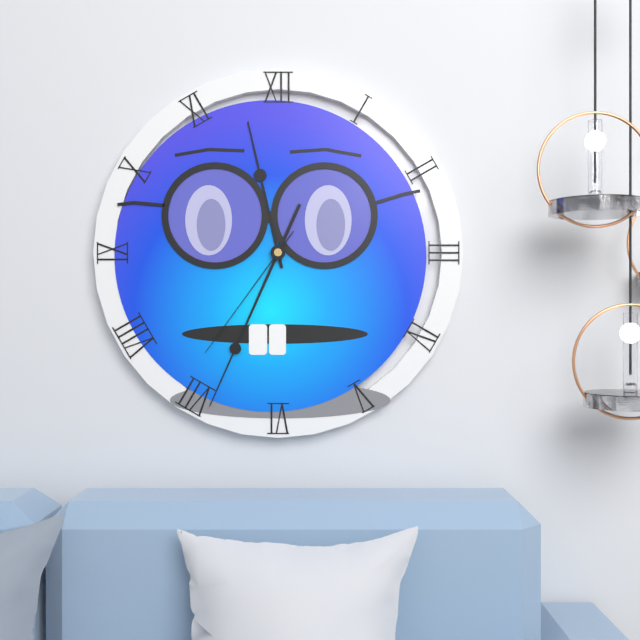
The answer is 11:34:36
